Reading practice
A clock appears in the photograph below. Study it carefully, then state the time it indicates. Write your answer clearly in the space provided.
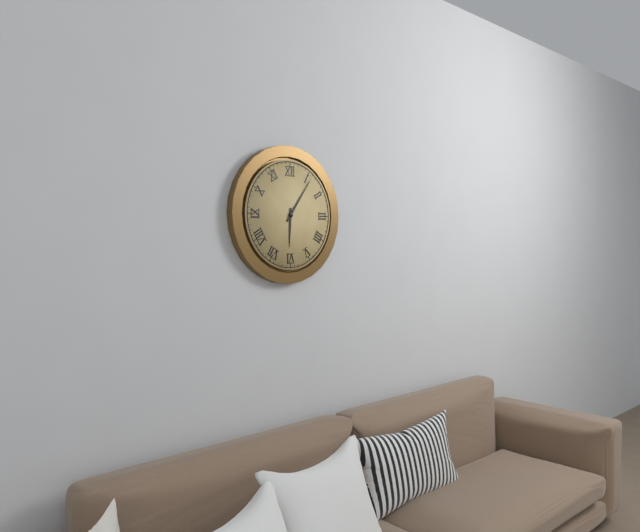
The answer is 6:06
